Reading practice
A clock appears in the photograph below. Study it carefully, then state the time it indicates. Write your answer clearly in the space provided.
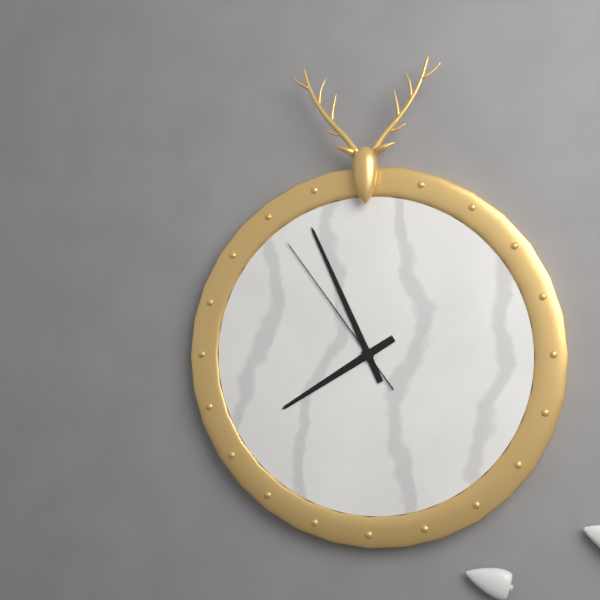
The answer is 7:56:54
